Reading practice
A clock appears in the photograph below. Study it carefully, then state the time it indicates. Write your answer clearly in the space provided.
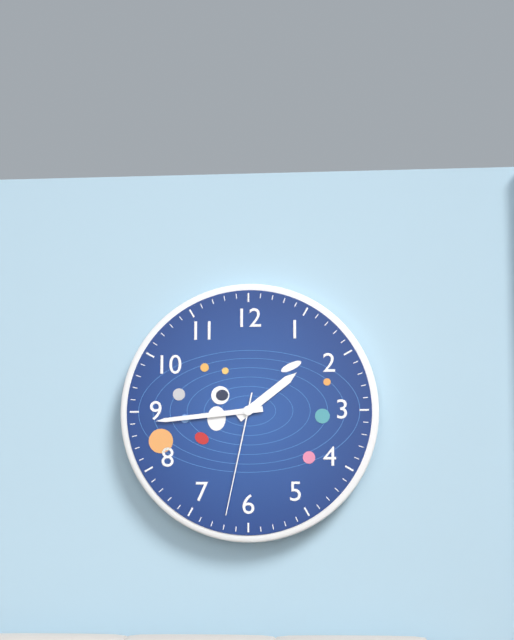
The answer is 1:44:32
